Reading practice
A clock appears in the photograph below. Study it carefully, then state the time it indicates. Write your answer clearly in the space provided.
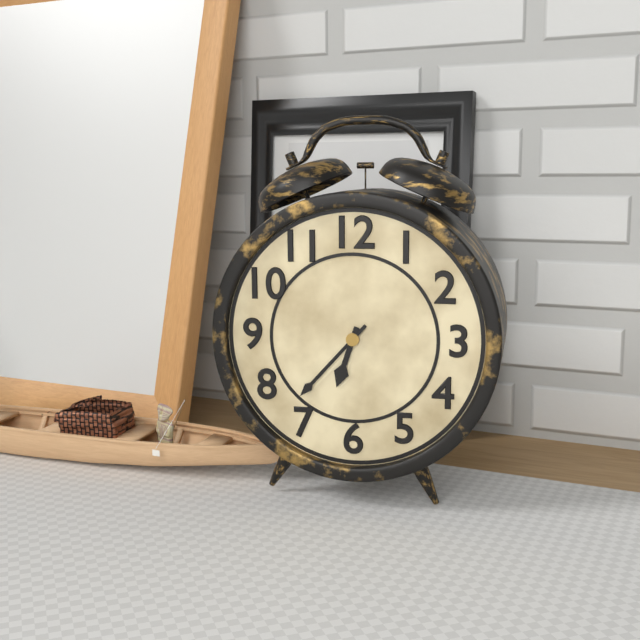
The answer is 6:37
